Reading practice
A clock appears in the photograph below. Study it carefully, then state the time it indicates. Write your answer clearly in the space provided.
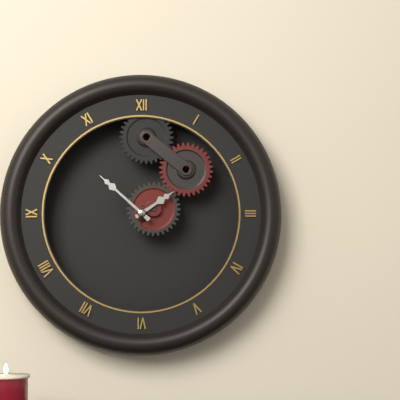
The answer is 1:52
